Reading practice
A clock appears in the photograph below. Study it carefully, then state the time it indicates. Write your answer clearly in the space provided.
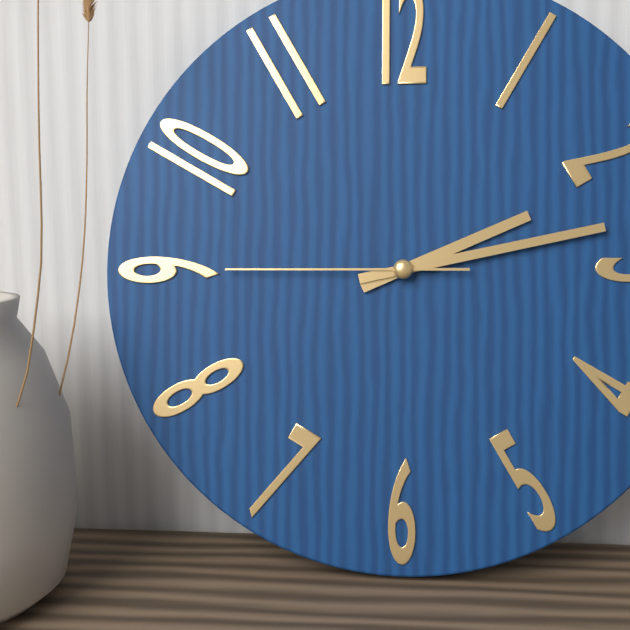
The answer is 2:13:45
